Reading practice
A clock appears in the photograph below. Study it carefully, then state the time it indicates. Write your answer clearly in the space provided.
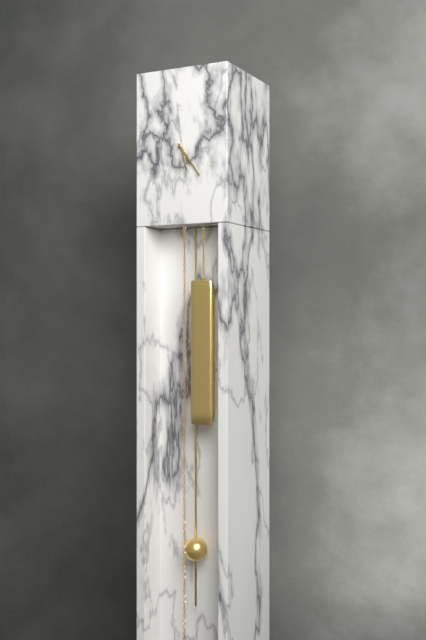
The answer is 5:24
